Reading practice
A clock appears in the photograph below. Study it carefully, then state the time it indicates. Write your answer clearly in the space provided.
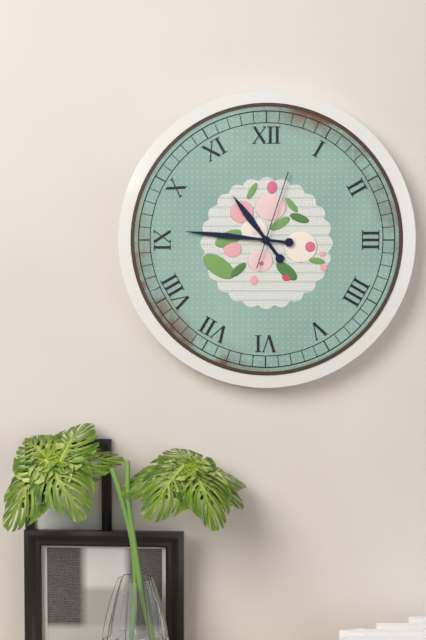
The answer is 10:46:03
